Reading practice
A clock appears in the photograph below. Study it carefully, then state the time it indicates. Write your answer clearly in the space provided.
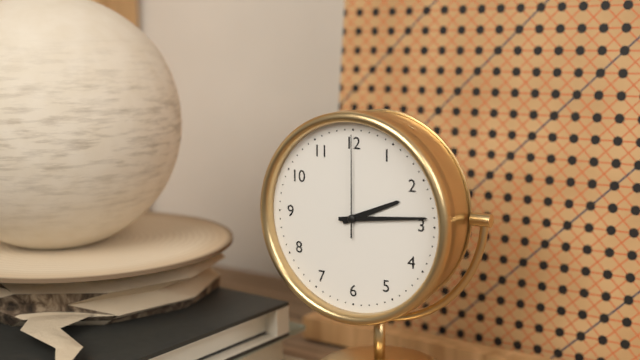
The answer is 2:14:00
